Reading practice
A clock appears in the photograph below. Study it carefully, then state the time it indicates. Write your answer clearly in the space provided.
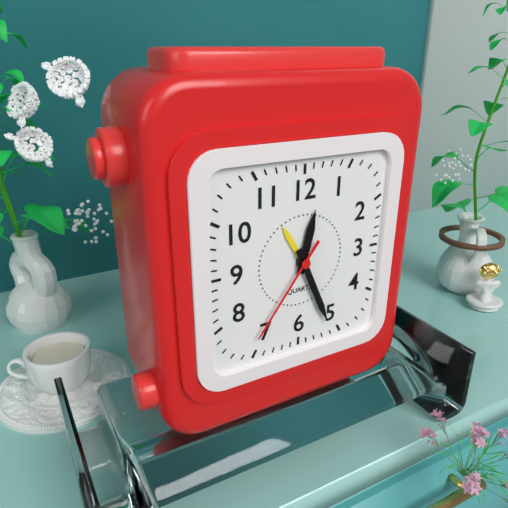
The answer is 12:26:36
